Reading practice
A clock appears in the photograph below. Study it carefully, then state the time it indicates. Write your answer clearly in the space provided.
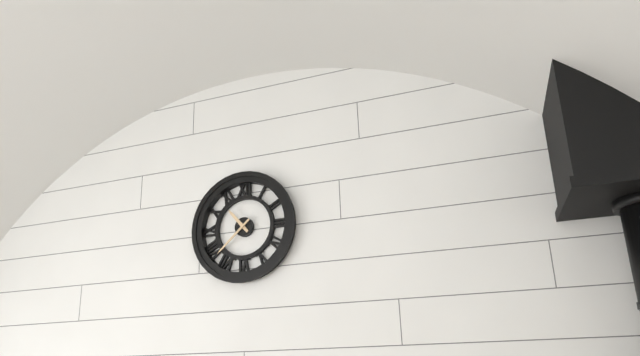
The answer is 10:38
